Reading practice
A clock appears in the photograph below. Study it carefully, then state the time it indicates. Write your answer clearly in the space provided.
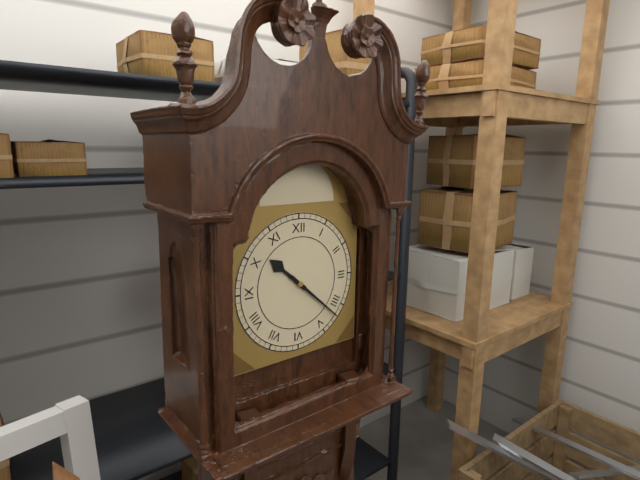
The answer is 10:22
